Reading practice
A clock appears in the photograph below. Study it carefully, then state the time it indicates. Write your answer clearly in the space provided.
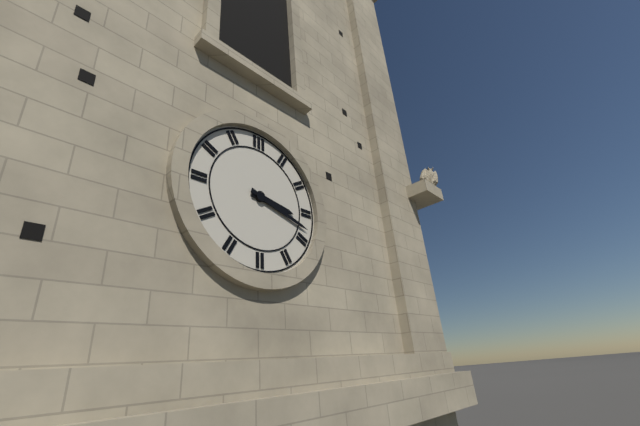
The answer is 3:18
